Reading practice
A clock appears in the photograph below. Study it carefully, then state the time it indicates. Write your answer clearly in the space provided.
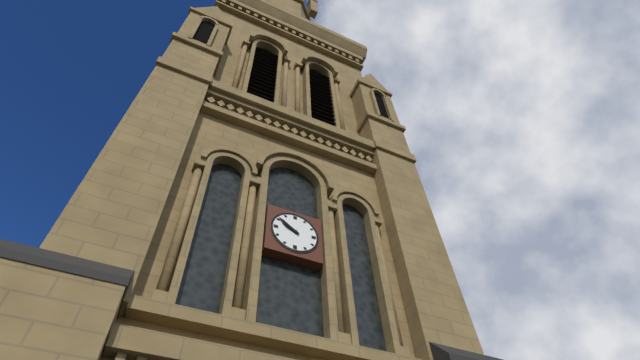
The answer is 9:51
